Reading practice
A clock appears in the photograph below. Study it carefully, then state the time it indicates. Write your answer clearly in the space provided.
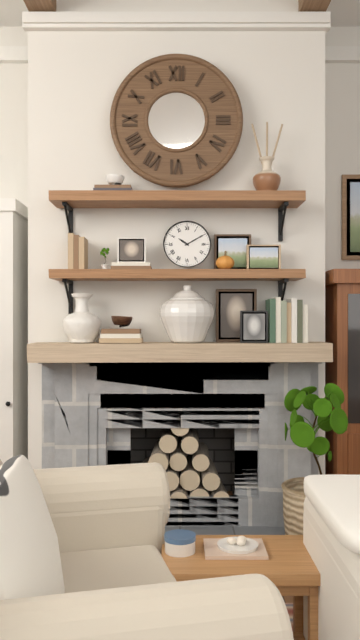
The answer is 10:10
